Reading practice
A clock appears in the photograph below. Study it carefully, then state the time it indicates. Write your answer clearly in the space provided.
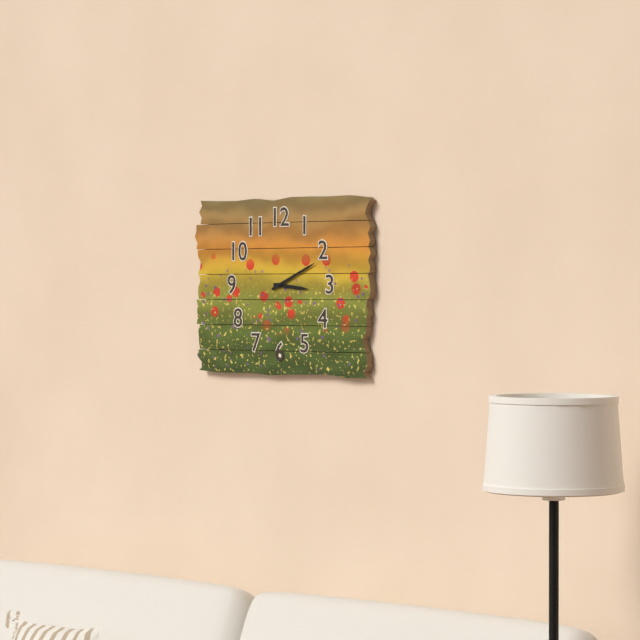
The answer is 3:11
